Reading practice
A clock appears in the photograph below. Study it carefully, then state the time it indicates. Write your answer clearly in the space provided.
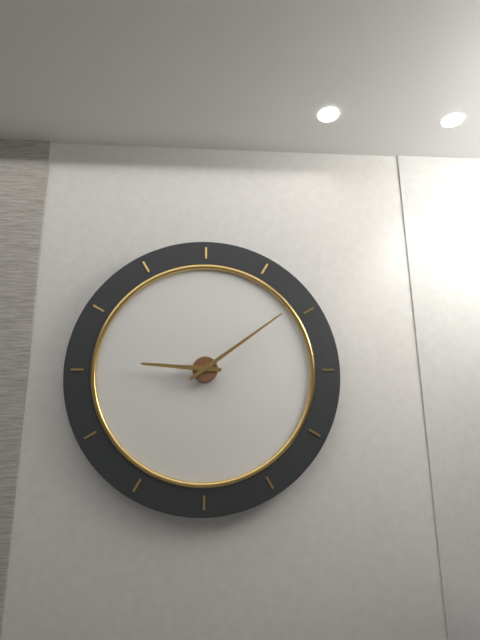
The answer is 9:09
